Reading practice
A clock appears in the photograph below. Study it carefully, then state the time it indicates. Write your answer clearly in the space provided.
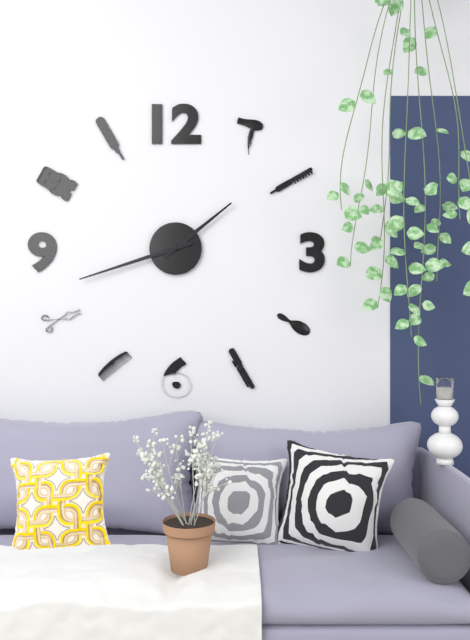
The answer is 1:42
